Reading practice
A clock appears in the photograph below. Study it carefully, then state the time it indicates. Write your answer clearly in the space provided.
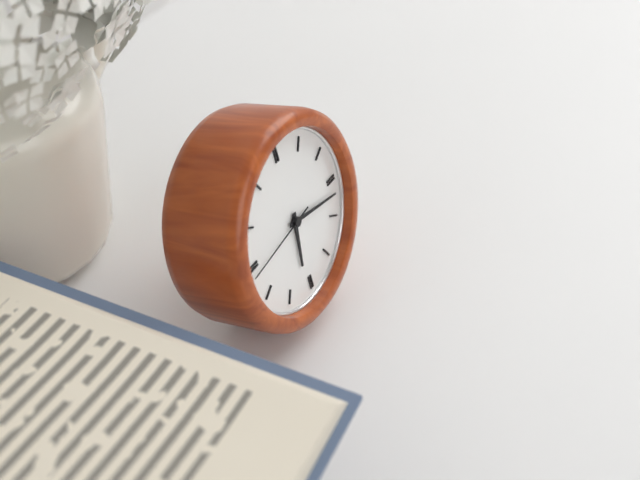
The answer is 6:17:44
